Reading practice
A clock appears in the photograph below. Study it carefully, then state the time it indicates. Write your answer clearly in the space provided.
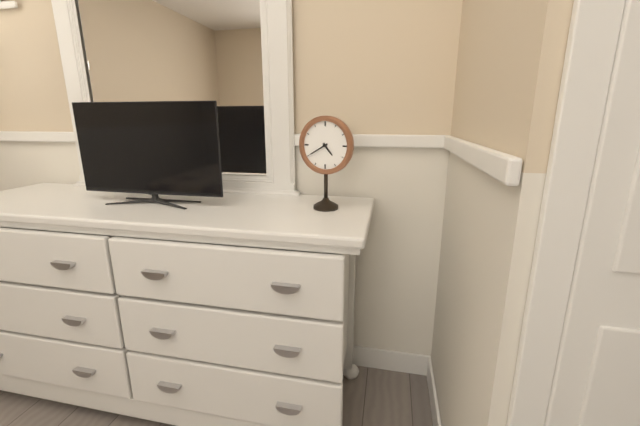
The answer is 4:40
